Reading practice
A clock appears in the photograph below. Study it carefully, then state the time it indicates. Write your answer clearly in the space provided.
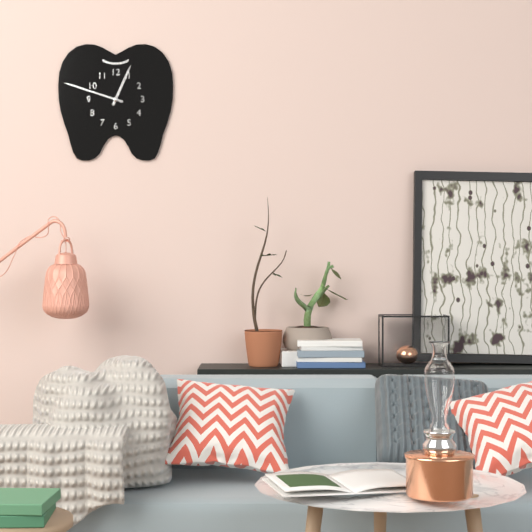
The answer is 12:48
